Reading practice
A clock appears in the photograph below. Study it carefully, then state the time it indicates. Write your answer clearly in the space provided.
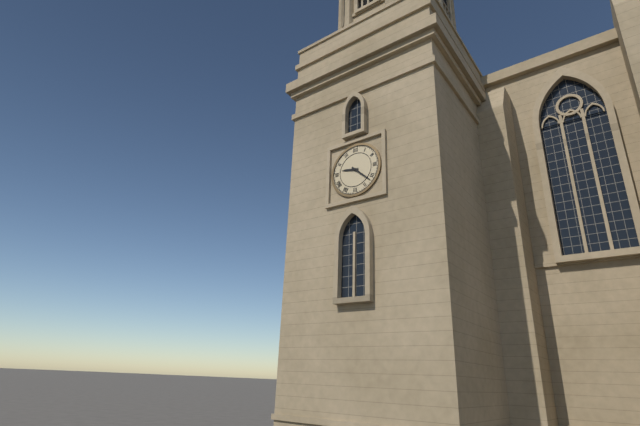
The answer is 9:22
